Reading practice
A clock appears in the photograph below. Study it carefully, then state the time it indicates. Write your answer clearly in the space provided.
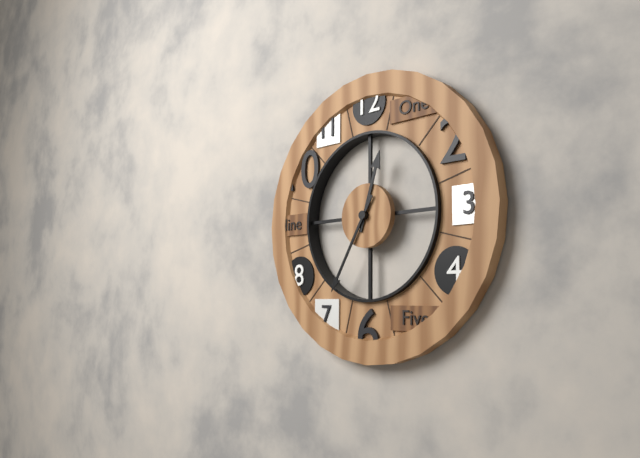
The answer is 12:35
